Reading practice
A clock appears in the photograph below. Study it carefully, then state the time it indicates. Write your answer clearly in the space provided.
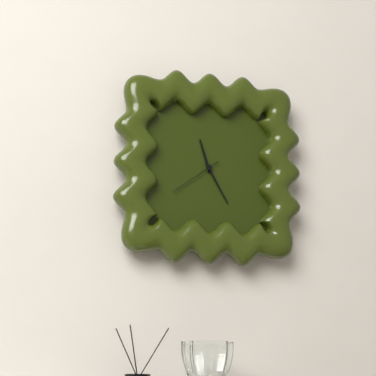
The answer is 11:25:39
